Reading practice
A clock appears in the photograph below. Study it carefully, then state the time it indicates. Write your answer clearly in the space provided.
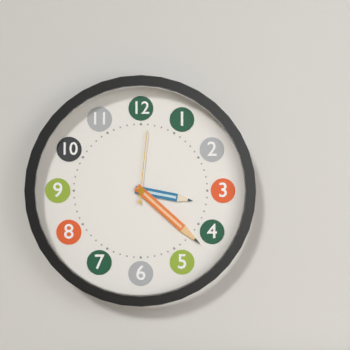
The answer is 3:22:01
